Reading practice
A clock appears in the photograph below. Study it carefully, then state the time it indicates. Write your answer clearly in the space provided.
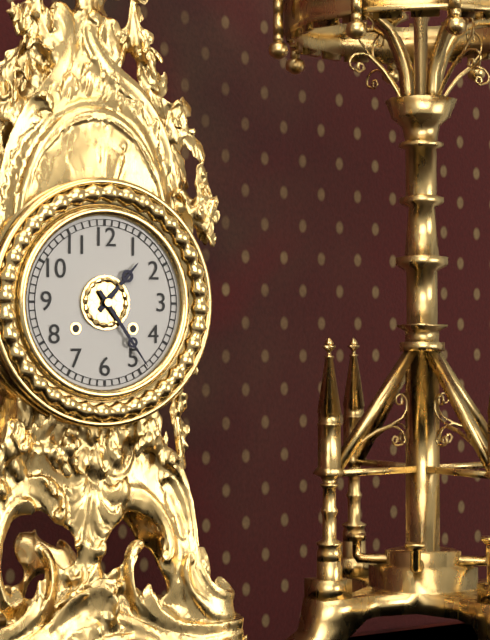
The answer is 1:24
